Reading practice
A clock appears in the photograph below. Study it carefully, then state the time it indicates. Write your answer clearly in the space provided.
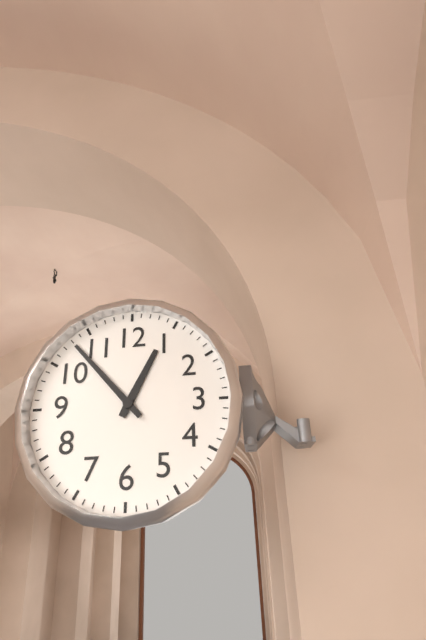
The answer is 12:53
